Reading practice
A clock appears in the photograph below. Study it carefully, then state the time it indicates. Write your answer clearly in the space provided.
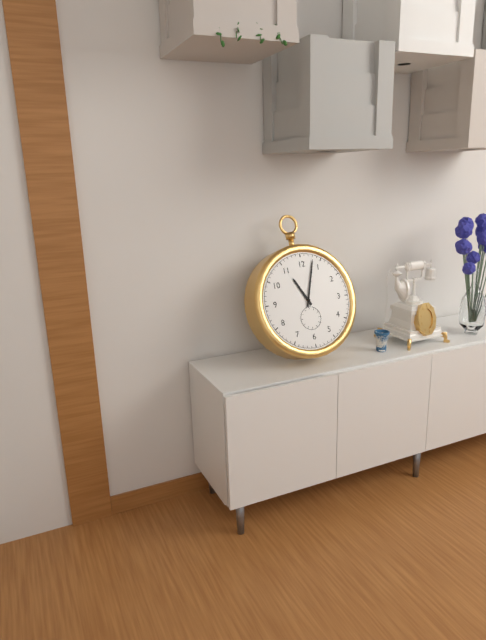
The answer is 11:03
